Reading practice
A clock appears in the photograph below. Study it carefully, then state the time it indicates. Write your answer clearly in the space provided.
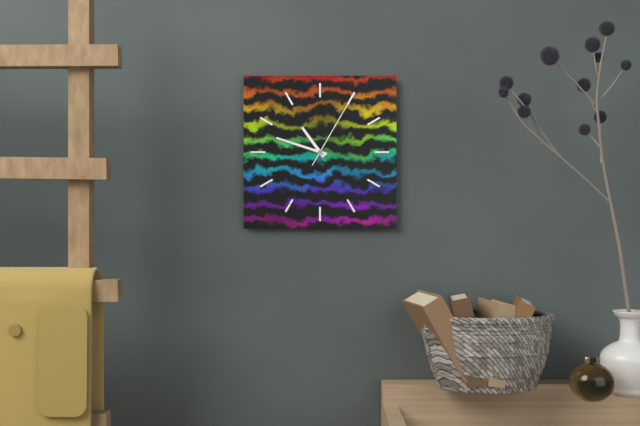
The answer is 10:48:05
